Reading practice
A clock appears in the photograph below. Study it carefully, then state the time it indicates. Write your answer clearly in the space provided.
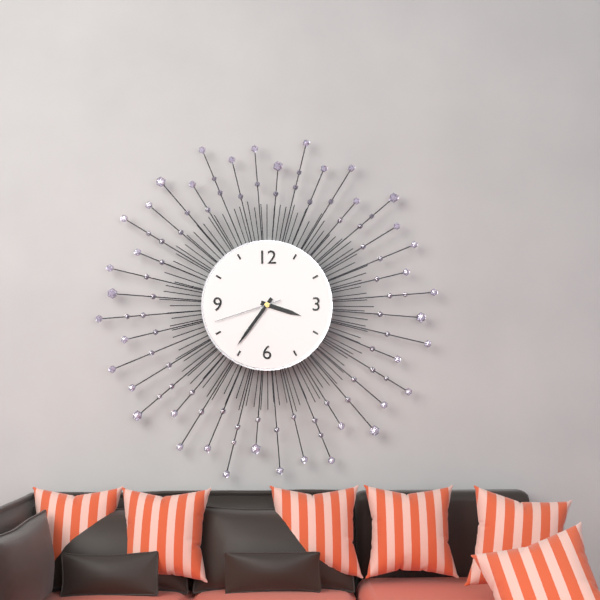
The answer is 3:36:42
